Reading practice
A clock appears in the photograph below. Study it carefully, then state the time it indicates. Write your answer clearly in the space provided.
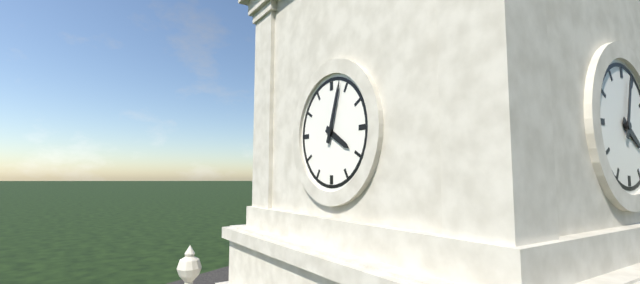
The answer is 4:03
